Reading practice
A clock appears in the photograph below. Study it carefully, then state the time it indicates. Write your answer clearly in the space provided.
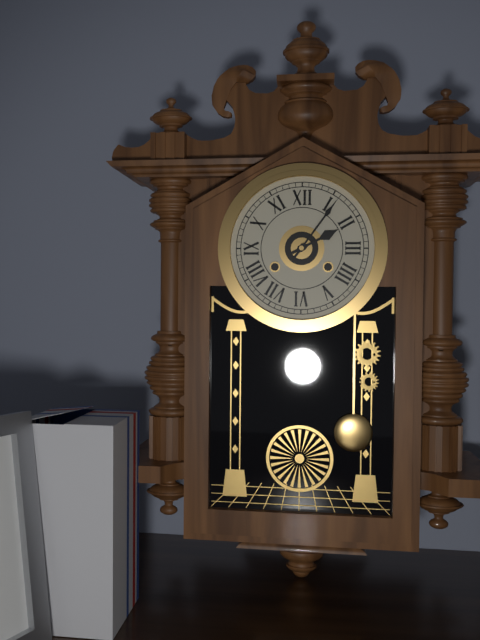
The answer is 2:06
